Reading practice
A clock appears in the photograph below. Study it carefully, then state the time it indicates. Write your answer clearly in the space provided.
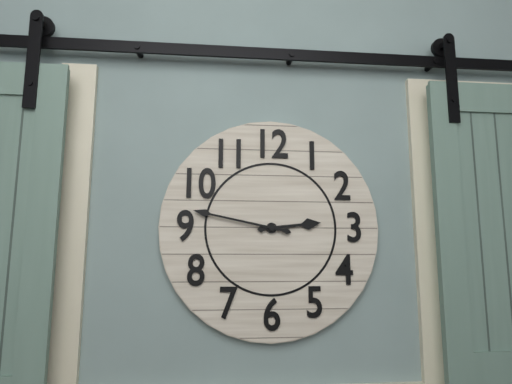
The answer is 2:47
